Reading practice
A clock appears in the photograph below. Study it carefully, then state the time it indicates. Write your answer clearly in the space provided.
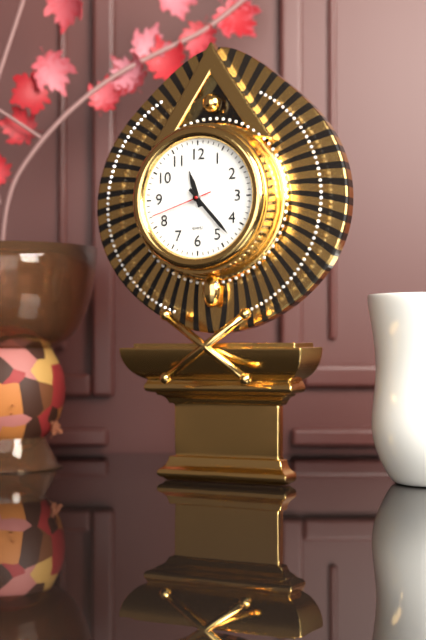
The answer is 11:23:42
